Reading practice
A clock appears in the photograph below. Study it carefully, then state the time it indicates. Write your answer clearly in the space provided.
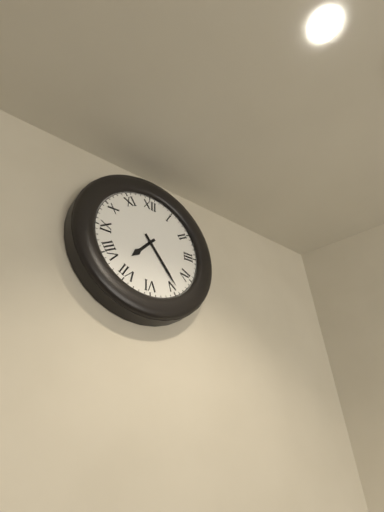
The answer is 7:24
